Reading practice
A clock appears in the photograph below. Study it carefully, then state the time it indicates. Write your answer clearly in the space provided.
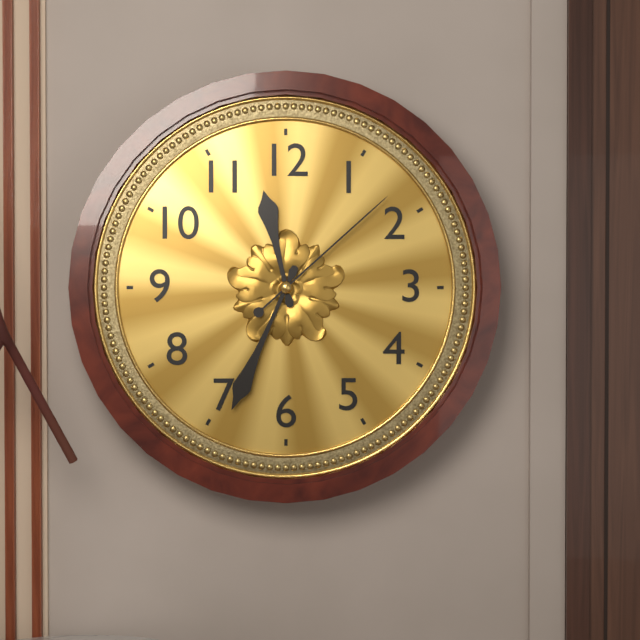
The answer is 11:34:08
